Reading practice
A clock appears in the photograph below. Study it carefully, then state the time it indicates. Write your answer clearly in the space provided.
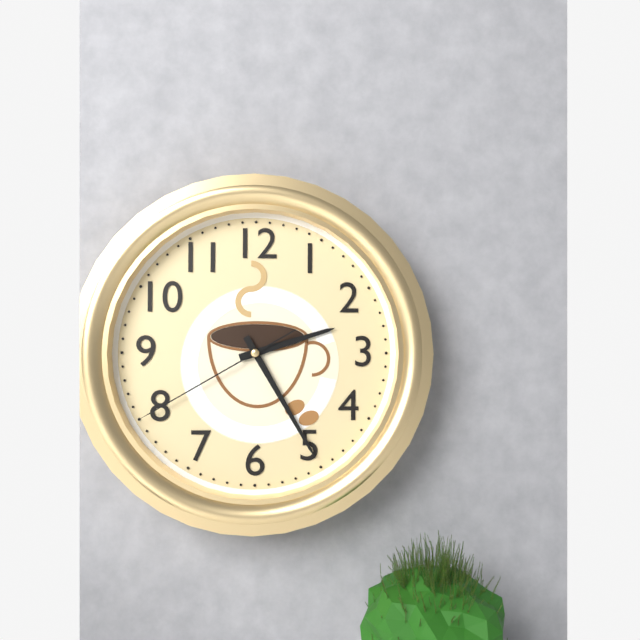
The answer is 2:25:40
